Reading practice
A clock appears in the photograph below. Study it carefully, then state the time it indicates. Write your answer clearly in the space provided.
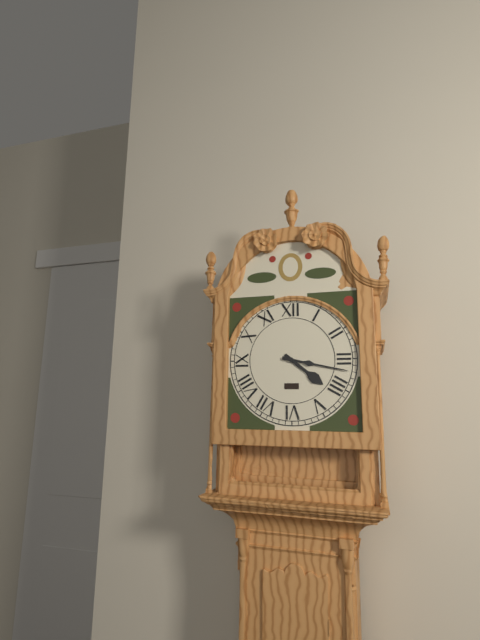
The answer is 4:17
